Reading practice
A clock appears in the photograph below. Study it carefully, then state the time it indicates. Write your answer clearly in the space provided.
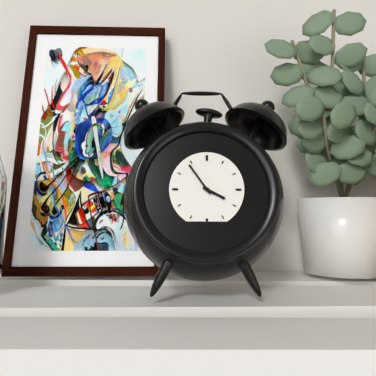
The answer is 3:54
